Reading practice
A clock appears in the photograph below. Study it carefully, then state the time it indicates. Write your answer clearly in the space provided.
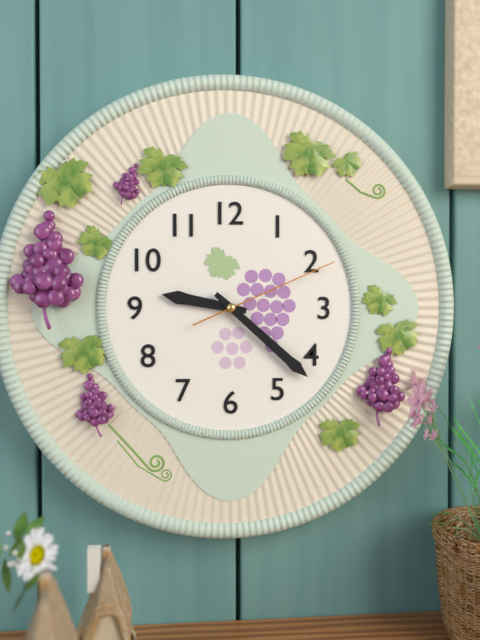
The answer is 9:22:11
